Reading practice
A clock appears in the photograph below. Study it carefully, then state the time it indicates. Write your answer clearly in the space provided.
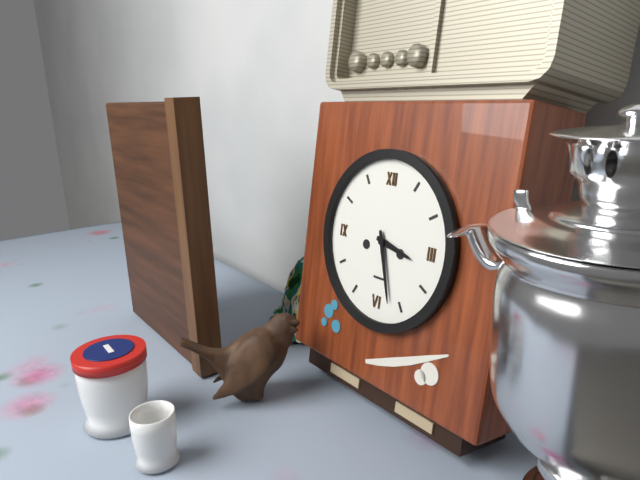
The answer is 3:27
